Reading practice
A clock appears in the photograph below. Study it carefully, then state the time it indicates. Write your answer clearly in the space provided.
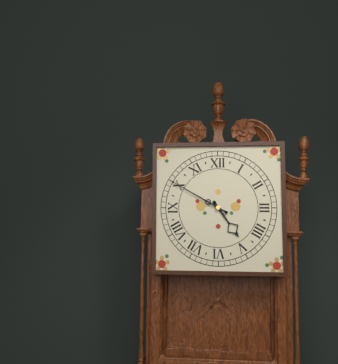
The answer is 4:50
